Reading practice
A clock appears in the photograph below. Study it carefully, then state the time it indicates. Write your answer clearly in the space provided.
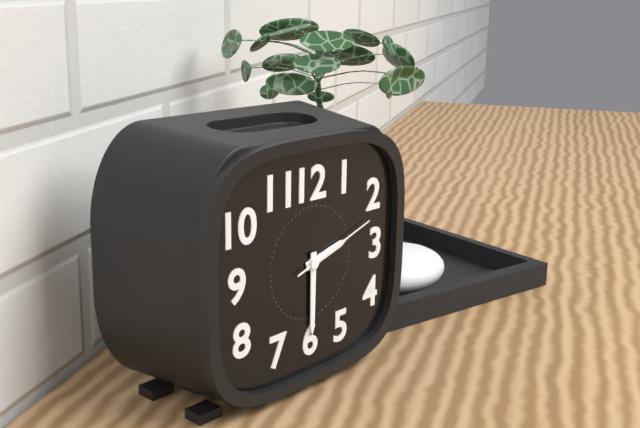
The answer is 2:30:12
